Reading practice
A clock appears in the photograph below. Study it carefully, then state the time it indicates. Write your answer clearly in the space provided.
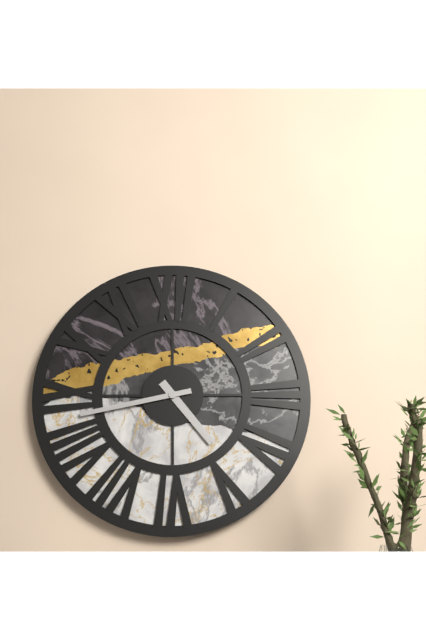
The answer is 4:43
